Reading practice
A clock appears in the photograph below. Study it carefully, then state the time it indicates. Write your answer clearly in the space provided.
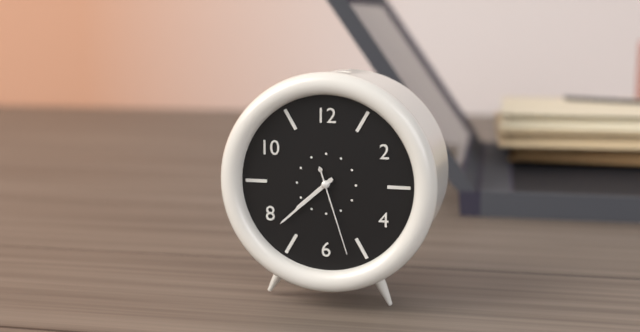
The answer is 7:38:27
